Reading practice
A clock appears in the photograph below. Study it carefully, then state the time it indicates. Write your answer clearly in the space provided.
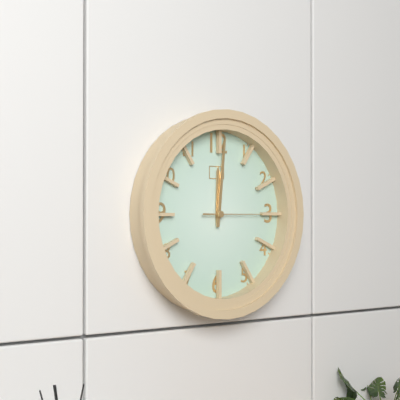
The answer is 12:01:15
